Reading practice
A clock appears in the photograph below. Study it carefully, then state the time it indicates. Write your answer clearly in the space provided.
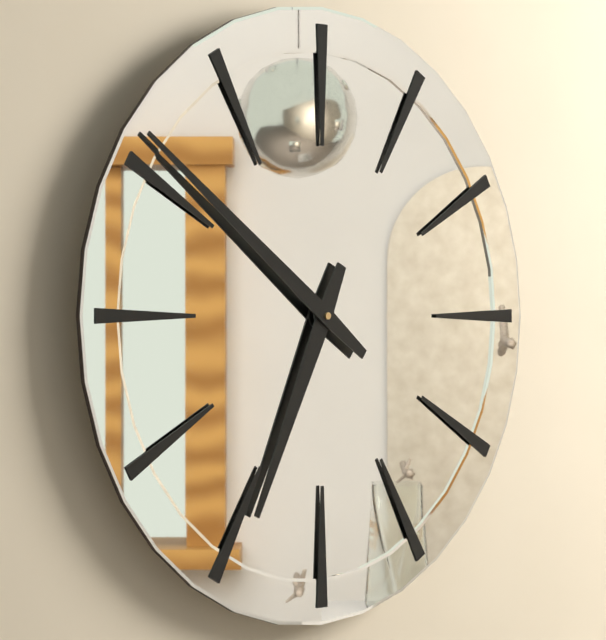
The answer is 6:51
